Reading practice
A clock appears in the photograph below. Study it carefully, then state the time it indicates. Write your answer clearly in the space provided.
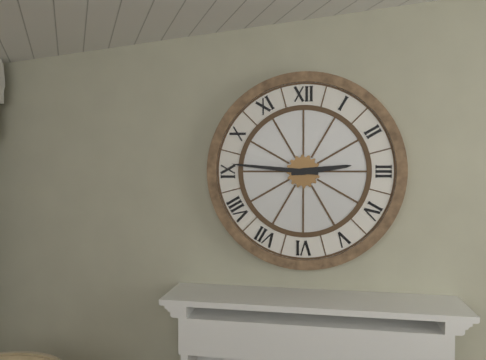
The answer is 2:46
